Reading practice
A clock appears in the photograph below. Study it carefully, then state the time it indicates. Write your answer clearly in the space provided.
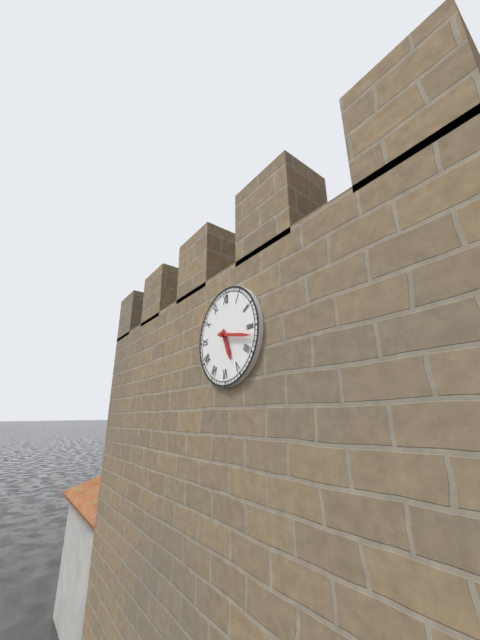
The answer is 5:17
